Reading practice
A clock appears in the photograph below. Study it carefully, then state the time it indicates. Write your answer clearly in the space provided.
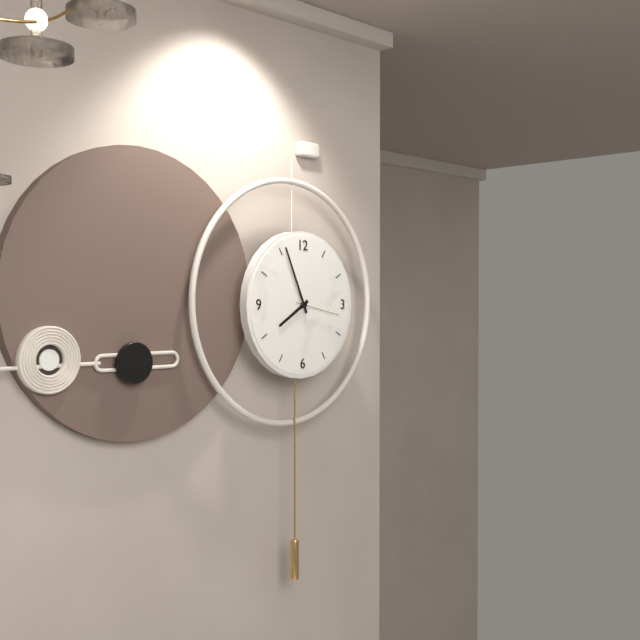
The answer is 7:56
